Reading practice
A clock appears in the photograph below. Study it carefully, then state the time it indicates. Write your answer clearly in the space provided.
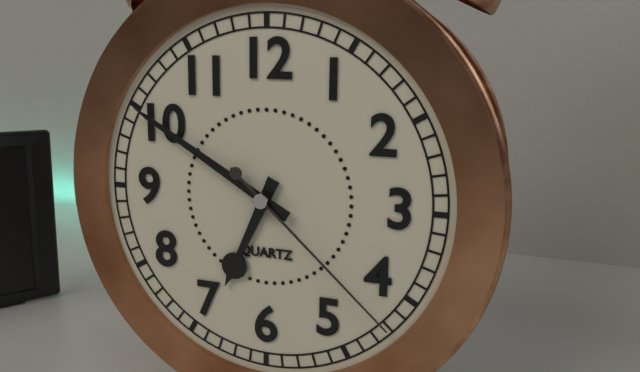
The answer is 6:50:22
